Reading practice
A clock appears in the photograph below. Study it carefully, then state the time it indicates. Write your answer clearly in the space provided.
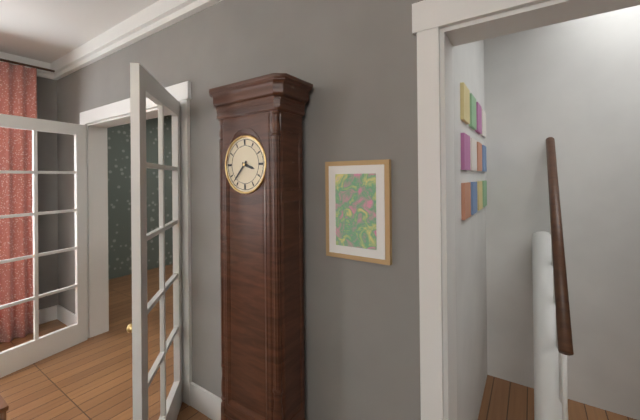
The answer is 3:37
